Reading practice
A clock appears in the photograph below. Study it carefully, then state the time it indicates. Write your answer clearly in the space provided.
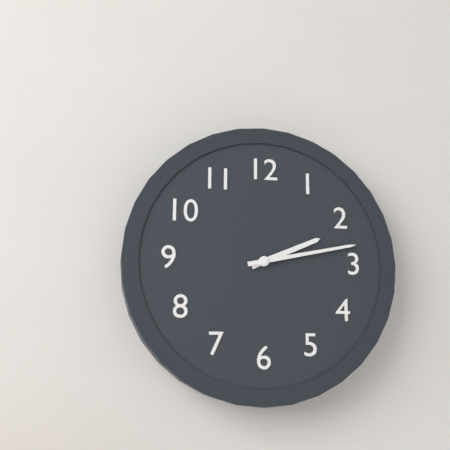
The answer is 2:13
